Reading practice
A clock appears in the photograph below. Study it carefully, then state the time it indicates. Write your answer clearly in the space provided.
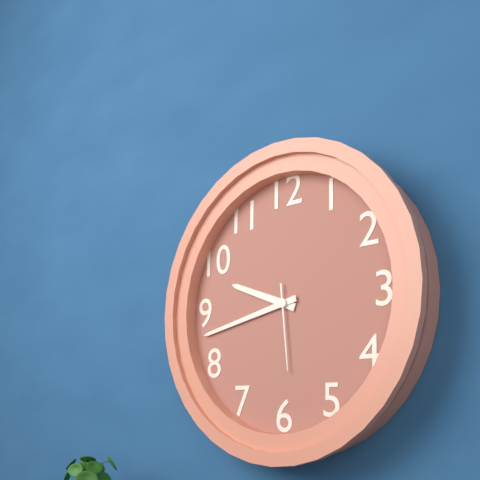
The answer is 9:43:29
